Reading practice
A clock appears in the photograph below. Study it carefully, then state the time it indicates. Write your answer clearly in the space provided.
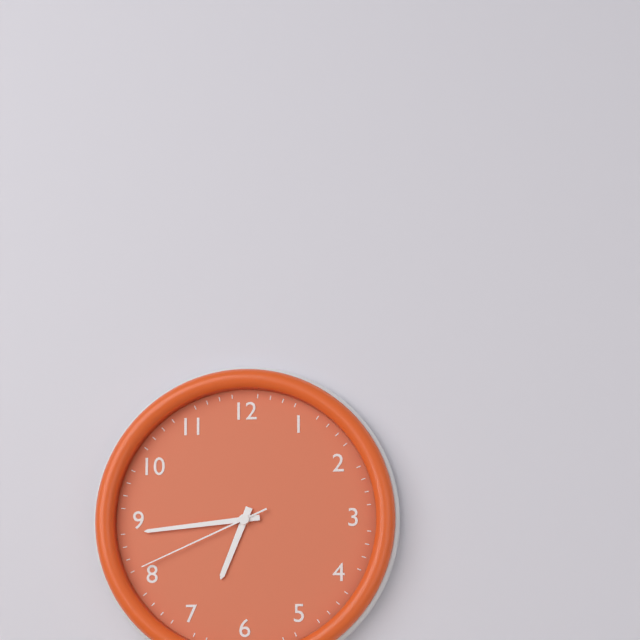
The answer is 6:44:41
